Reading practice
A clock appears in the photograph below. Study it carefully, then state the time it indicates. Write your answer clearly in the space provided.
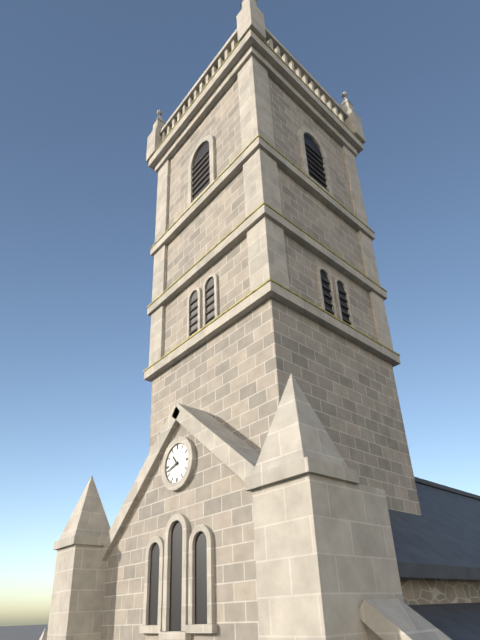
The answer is 10:42
